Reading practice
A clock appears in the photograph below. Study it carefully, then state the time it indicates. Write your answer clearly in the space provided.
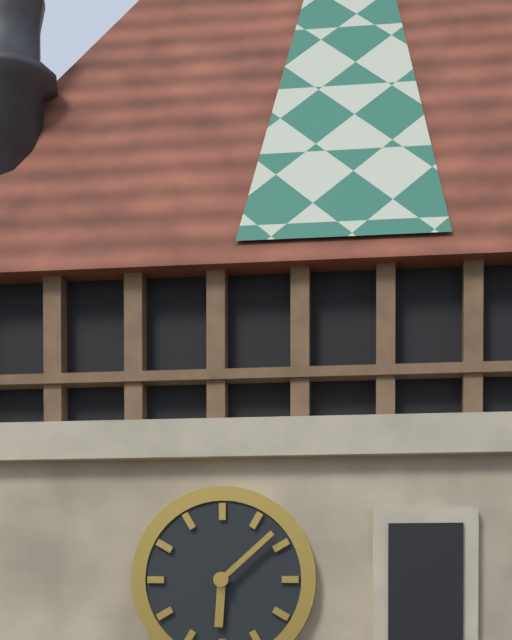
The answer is 6:08
